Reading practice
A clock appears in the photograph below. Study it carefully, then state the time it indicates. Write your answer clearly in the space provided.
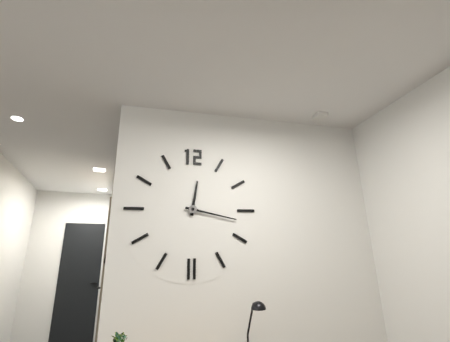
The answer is 12:17
